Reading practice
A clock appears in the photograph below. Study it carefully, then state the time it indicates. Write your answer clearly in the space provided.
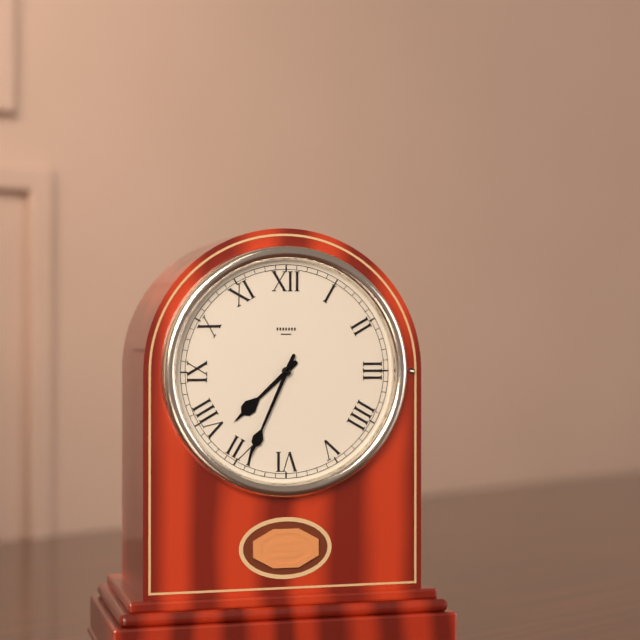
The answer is 7:34
